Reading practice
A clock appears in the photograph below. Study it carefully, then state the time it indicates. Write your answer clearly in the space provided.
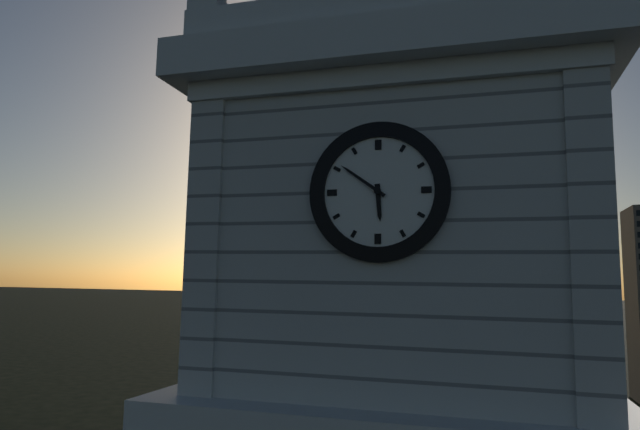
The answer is 5:51
